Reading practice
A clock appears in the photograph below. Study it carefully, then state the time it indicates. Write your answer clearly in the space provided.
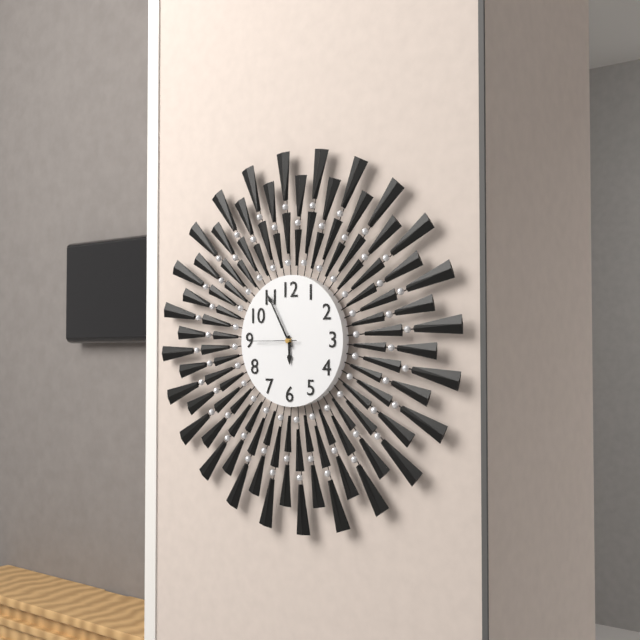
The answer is 5:55
